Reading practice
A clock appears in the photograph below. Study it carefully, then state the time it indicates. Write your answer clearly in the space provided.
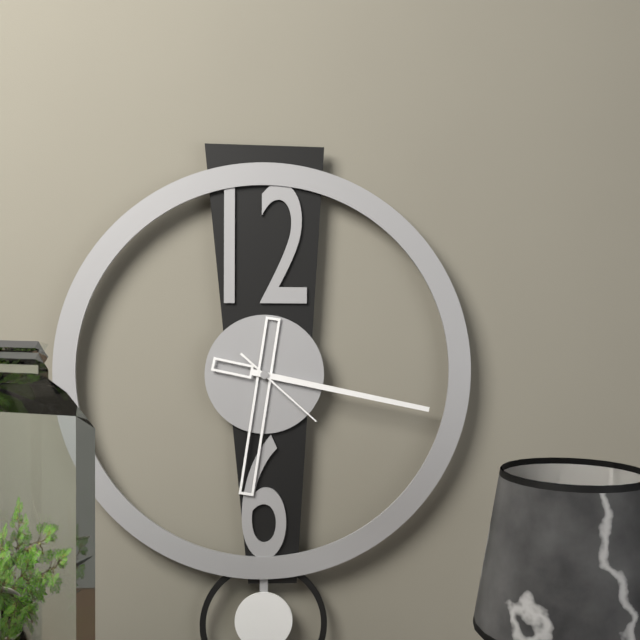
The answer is 6:17:22
